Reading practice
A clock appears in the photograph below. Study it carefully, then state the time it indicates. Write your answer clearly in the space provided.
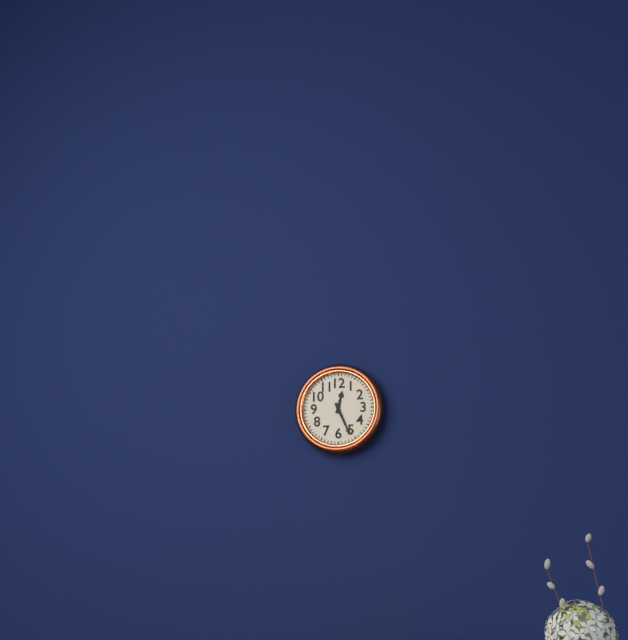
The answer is 12:26
